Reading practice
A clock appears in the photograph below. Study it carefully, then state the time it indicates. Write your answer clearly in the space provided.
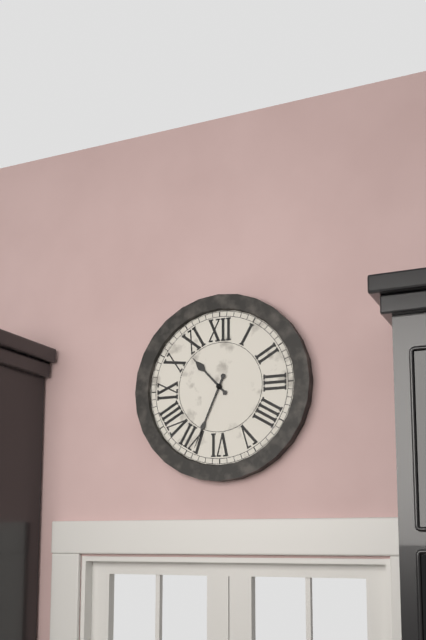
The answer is 10:34
